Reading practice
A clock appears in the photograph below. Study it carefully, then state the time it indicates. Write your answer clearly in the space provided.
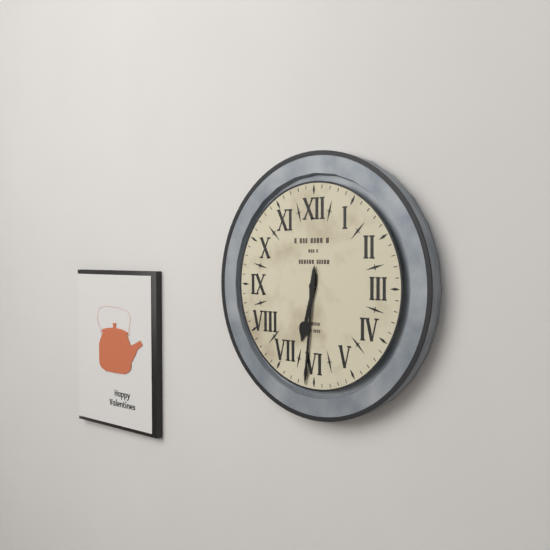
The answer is 6:31
